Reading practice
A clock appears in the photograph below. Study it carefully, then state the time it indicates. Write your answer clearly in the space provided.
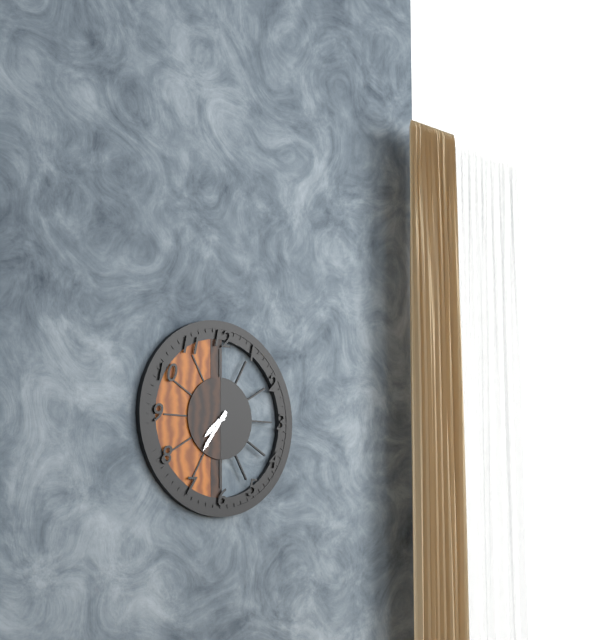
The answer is 7:36
